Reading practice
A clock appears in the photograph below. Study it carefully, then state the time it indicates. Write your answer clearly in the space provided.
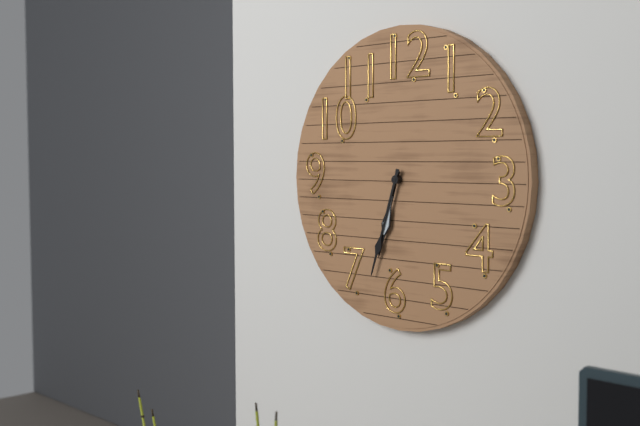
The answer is 6:33
